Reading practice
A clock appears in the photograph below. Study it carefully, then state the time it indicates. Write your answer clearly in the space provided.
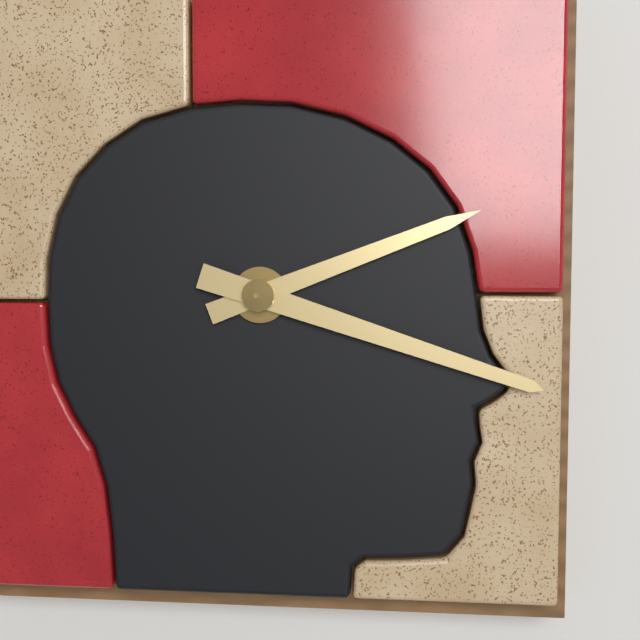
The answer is 2:18
